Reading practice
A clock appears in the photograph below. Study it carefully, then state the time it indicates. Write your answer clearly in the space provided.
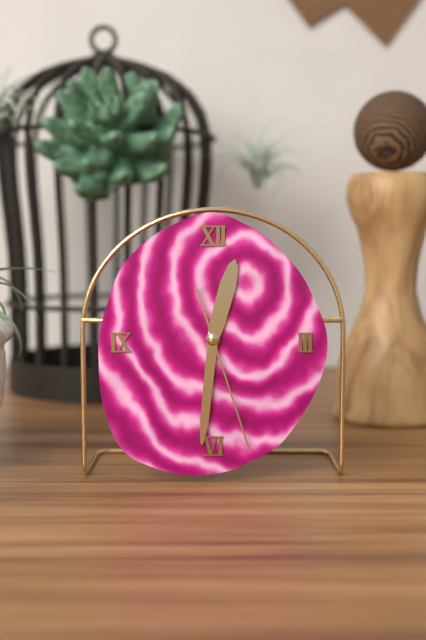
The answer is 12:31:27
